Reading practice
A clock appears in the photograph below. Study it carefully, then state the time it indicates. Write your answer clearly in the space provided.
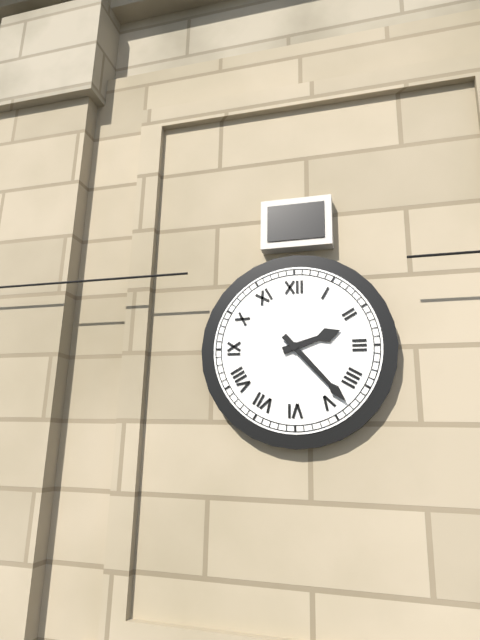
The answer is 2:23
